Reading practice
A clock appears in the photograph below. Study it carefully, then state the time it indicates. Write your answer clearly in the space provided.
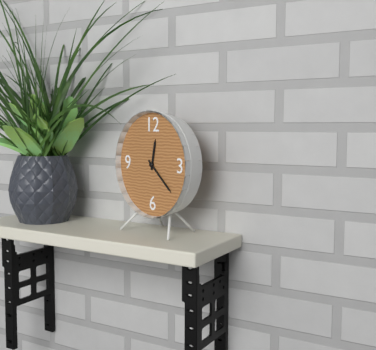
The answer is 12:22
